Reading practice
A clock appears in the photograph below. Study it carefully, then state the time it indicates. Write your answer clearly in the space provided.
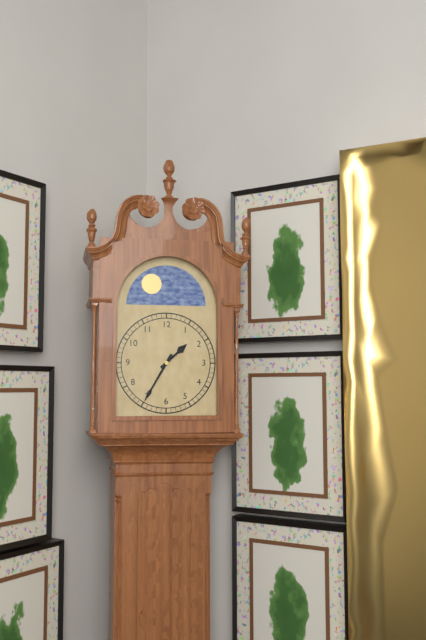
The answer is 1:35
